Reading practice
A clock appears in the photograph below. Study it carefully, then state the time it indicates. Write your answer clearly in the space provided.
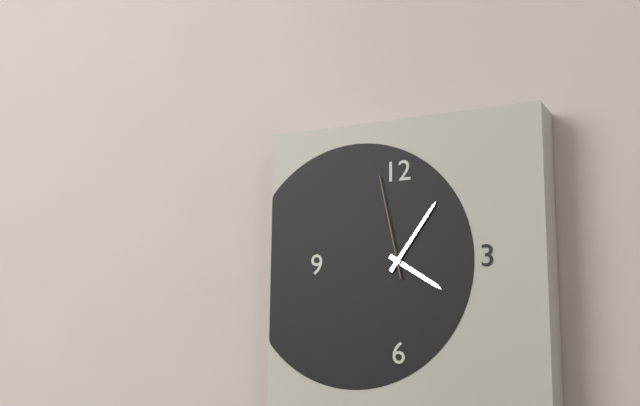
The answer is 4:06:58
